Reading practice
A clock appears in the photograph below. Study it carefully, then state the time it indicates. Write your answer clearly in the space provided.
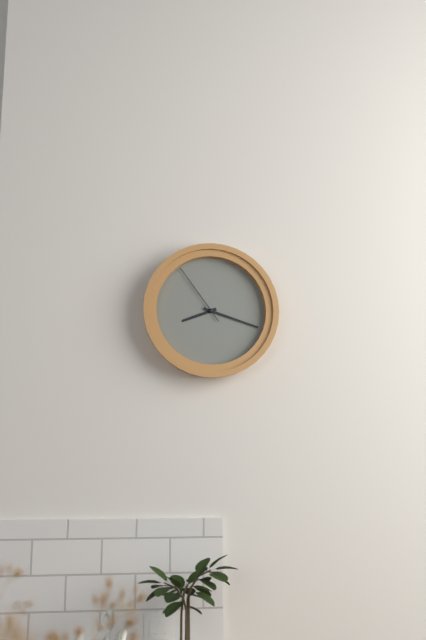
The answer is 8:18:54
